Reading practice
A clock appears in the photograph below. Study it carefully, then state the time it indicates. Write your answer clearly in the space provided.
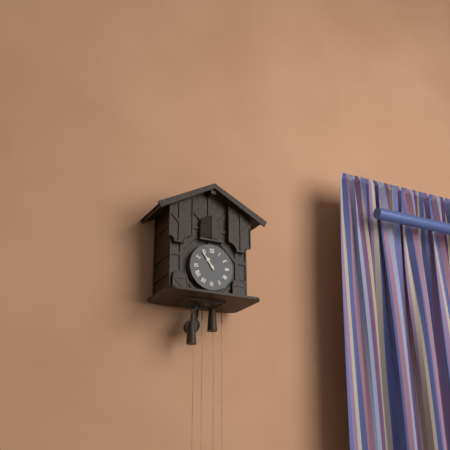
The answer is 10:54
